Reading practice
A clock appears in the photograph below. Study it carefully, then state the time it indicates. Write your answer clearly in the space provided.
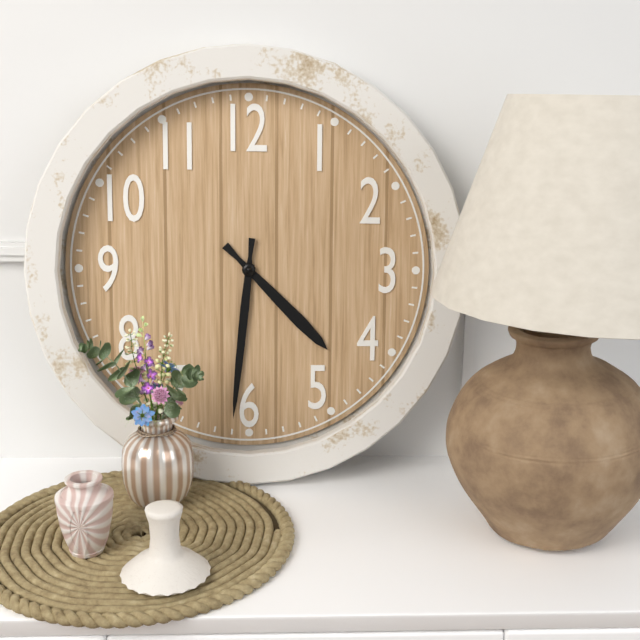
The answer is 4:31
